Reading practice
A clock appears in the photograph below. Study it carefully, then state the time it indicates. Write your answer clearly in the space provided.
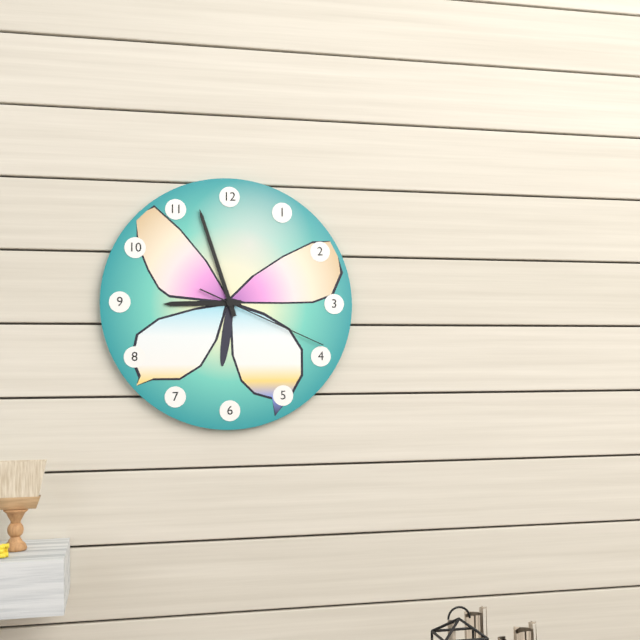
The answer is 8:57:19
